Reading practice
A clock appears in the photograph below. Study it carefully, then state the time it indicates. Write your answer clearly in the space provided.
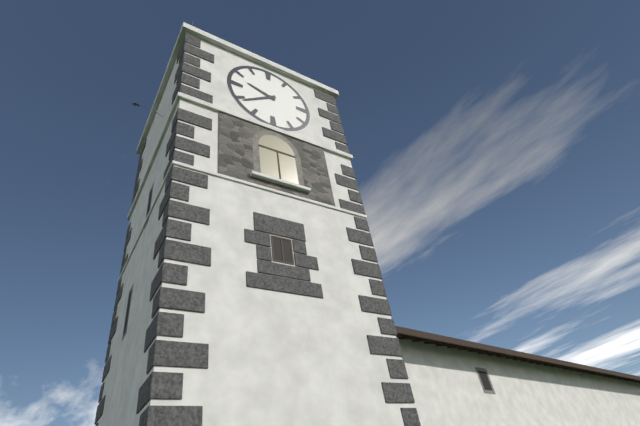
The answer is 9:39
